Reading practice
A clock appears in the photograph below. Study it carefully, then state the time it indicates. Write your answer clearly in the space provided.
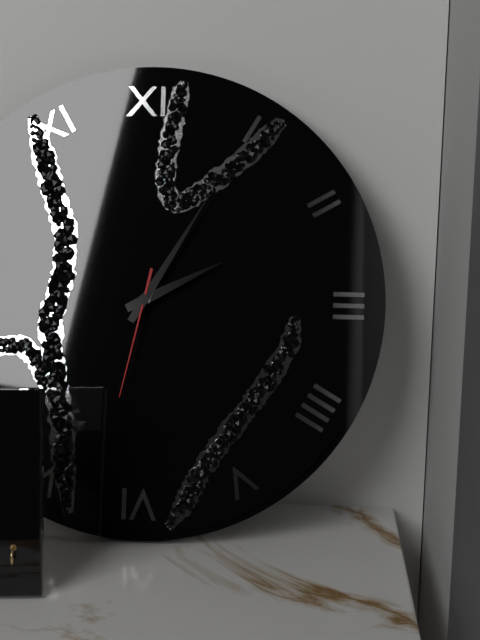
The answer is 2:05:32
